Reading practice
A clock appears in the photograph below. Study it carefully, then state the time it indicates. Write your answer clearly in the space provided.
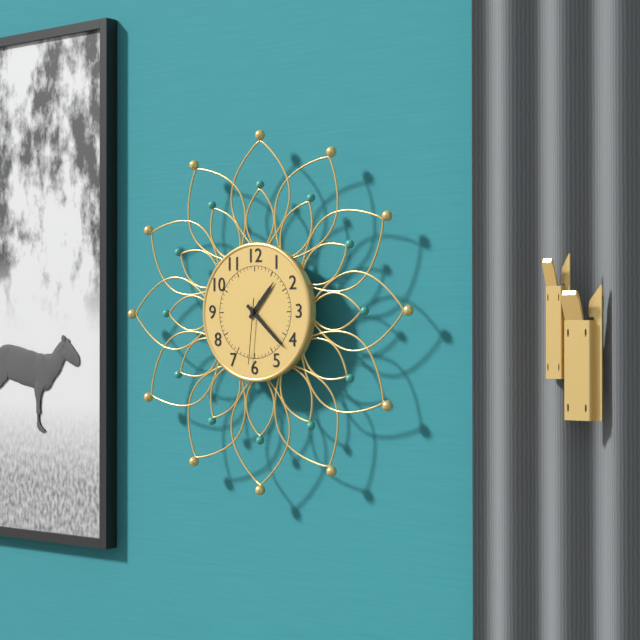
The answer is 1:22:31
